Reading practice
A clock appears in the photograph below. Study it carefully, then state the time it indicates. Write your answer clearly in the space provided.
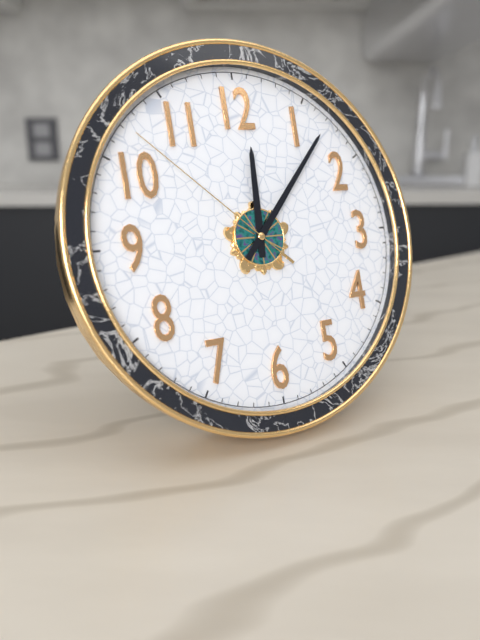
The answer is 12:07:52
